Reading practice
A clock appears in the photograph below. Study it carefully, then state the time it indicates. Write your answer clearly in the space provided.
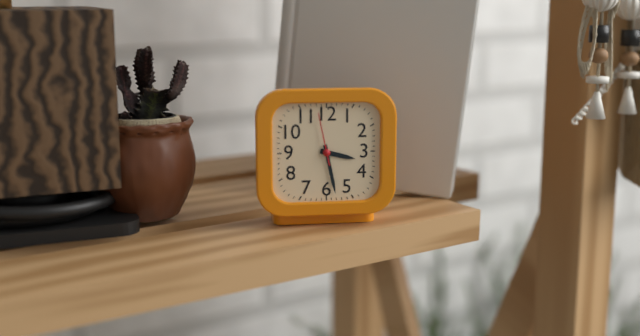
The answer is 3:28
